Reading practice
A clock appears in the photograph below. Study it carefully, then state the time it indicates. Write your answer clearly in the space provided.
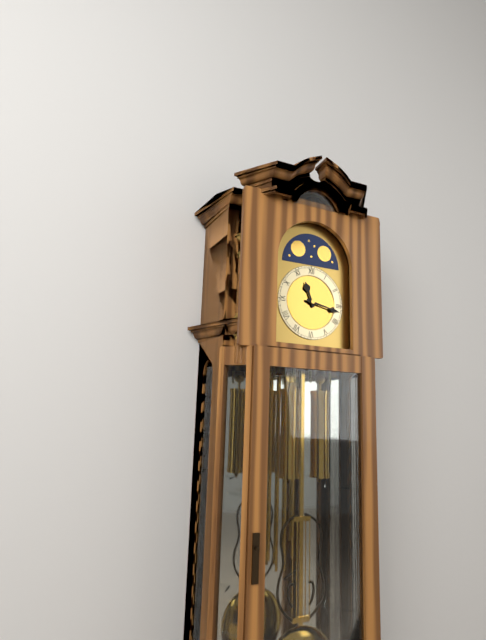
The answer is 11:17
